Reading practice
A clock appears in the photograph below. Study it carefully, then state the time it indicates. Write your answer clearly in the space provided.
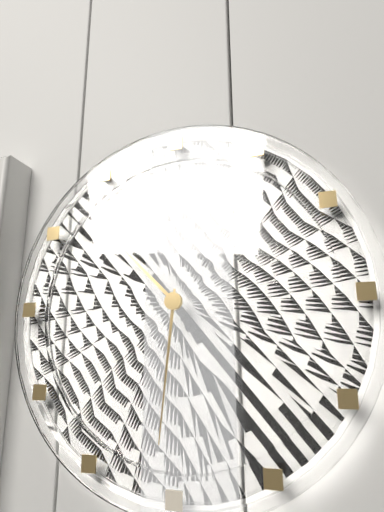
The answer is 10:31
